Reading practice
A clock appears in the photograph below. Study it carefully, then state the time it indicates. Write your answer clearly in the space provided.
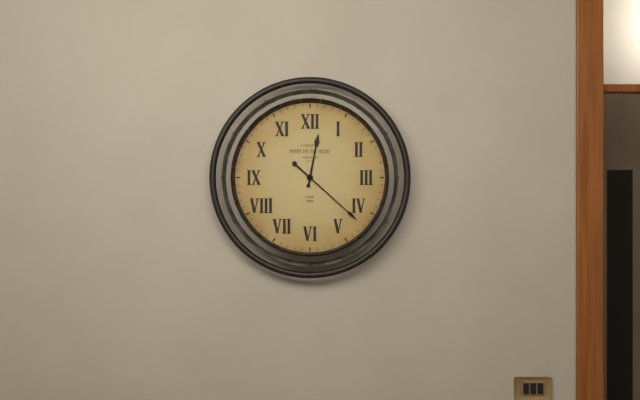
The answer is 12:22
